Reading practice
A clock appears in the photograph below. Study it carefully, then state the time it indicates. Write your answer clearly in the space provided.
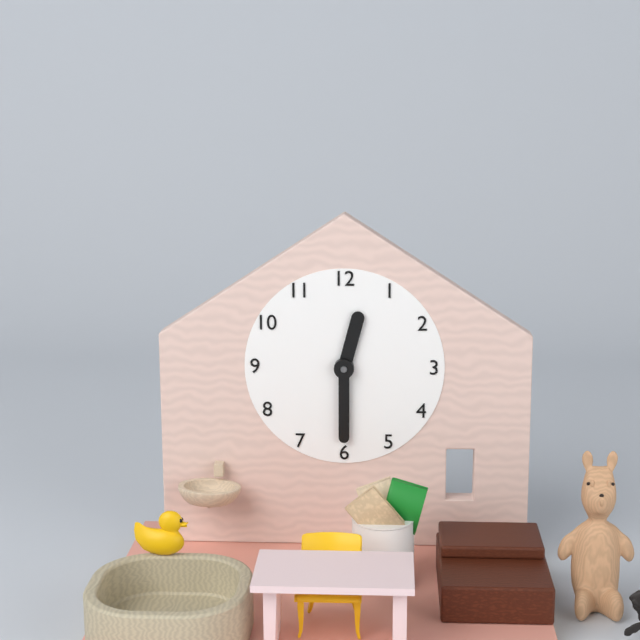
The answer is 12:30
